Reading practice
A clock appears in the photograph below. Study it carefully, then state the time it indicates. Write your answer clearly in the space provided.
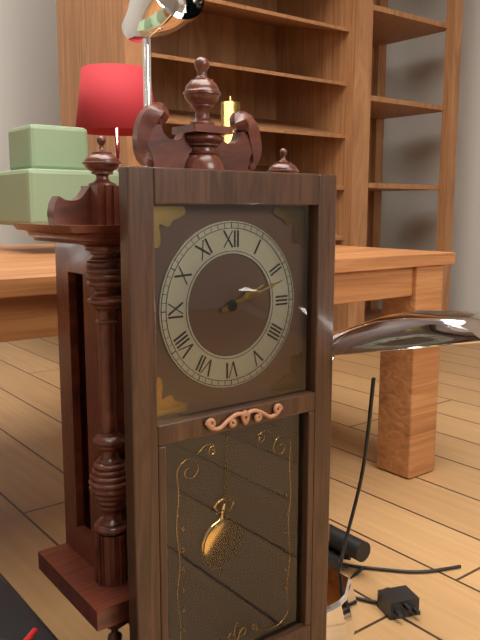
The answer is 2:12
